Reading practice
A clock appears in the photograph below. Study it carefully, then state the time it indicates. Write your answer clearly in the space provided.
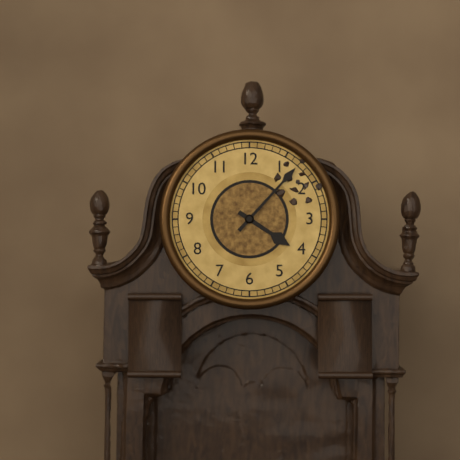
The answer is 4:07
